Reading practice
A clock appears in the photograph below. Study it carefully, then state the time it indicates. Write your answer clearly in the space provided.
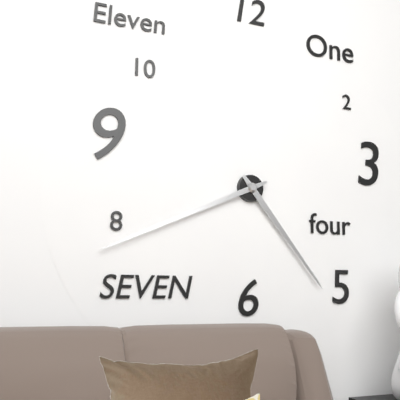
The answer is 4:41
